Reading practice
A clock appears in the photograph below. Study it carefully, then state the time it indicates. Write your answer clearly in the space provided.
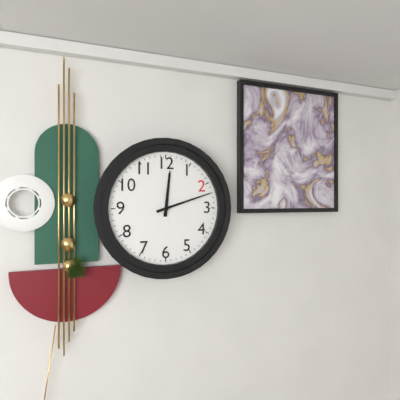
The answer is 12:12
